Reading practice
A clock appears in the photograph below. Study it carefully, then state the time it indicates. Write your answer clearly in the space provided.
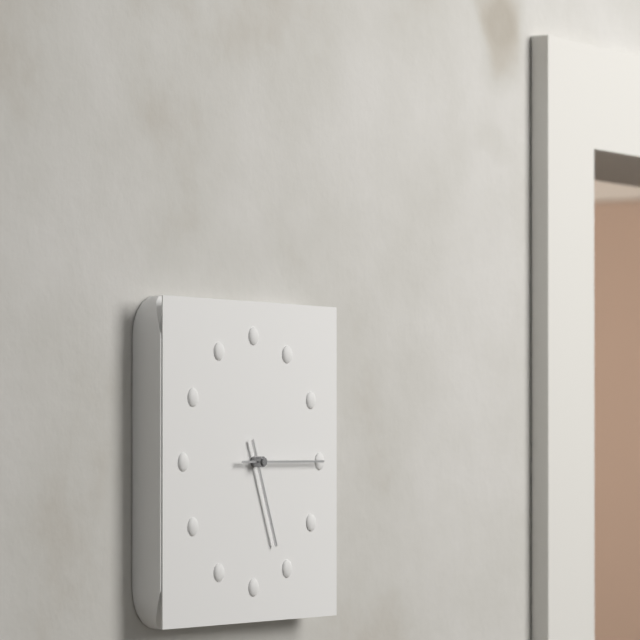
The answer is 5:15
